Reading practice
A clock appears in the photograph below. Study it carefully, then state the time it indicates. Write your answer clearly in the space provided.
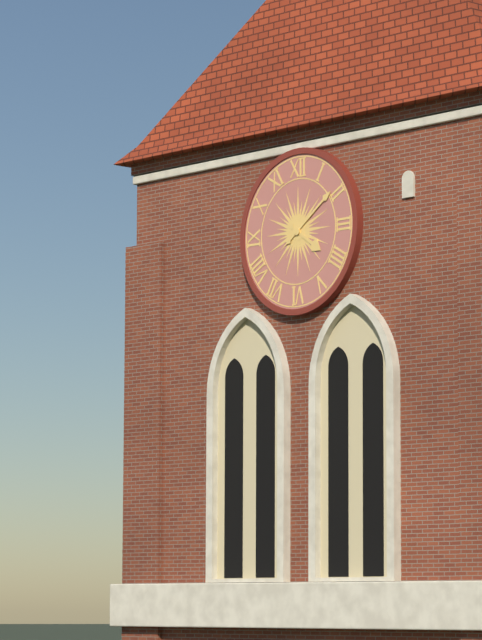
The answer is 4:09
